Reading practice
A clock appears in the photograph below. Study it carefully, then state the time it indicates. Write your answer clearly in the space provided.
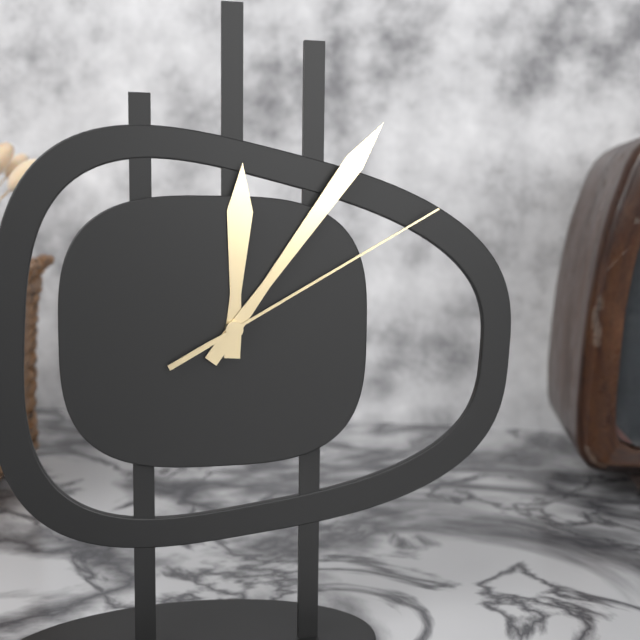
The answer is 12:06:10
